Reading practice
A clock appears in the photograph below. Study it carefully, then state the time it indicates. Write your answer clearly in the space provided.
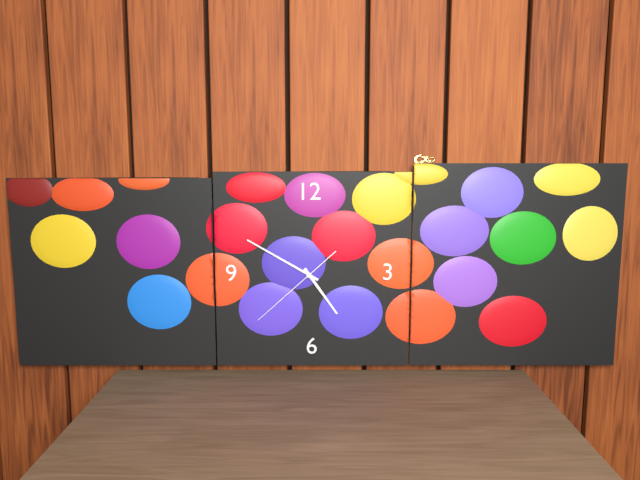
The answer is 4:50:38
